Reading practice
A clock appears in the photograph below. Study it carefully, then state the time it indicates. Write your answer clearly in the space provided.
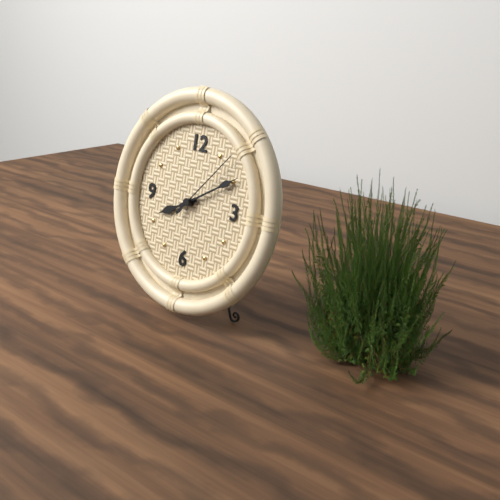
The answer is 8:10:07
